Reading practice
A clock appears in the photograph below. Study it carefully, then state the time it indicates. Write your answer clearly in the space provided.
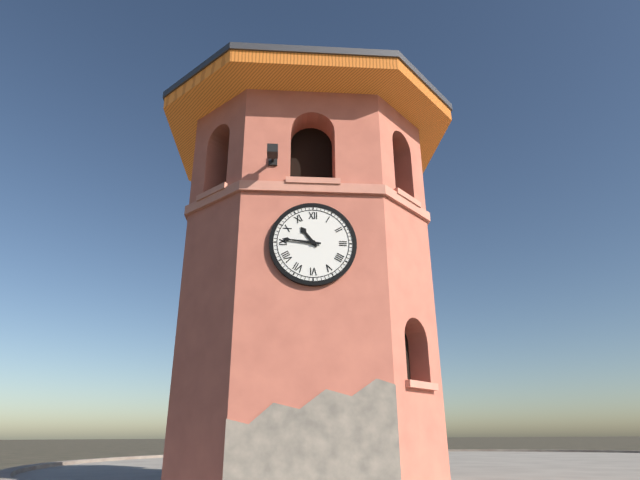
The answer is 10:46
